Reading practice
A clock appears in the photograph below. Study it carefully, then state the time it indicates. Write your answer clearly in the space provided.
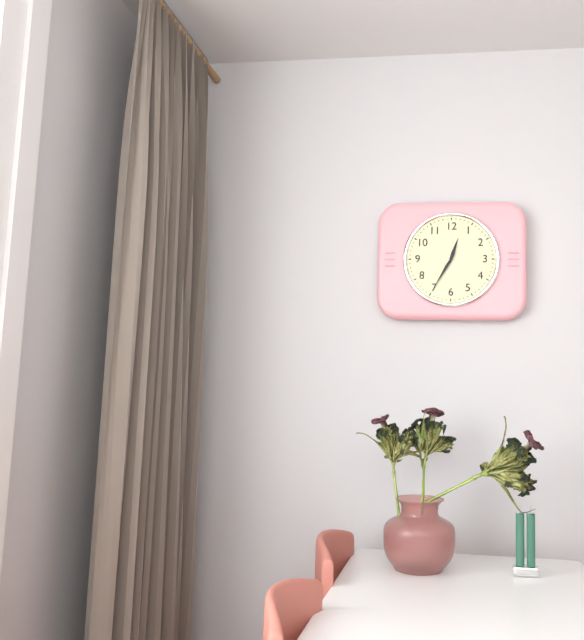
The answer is 12:35
